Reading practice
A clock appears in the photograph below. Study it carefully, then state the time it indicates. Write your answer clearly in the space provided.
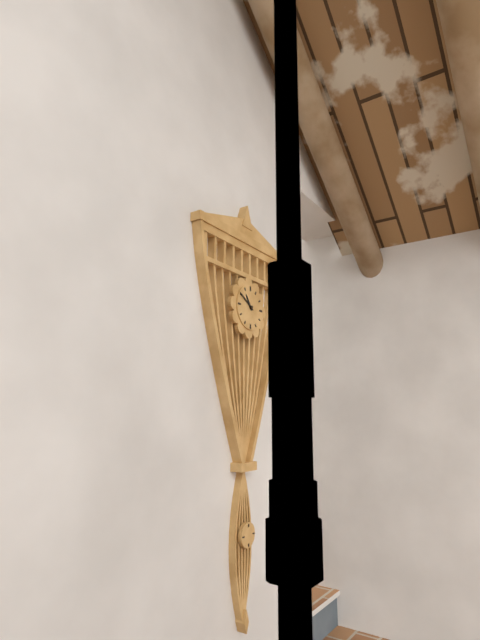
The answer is 10:50
